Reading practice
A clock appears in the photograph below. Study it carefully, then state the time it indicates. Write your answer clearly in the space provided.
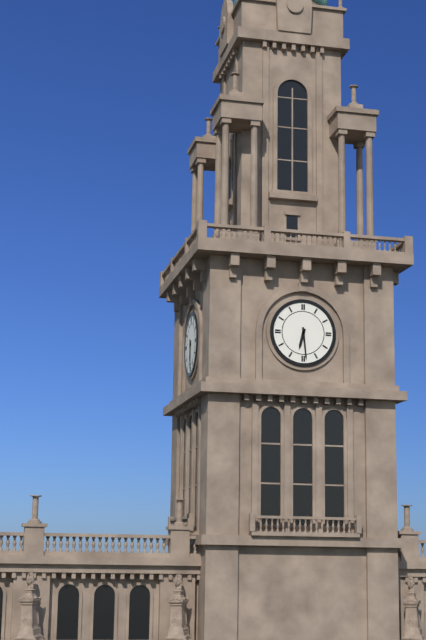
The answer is 6:29
